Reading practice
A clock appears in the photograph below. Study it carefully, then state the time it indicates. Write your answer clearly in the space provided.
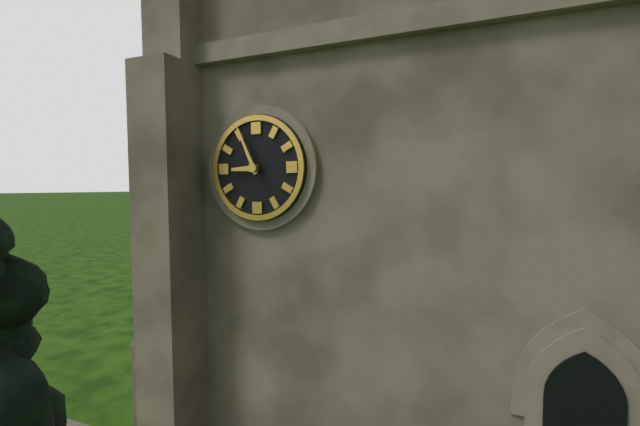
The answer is 8:56
